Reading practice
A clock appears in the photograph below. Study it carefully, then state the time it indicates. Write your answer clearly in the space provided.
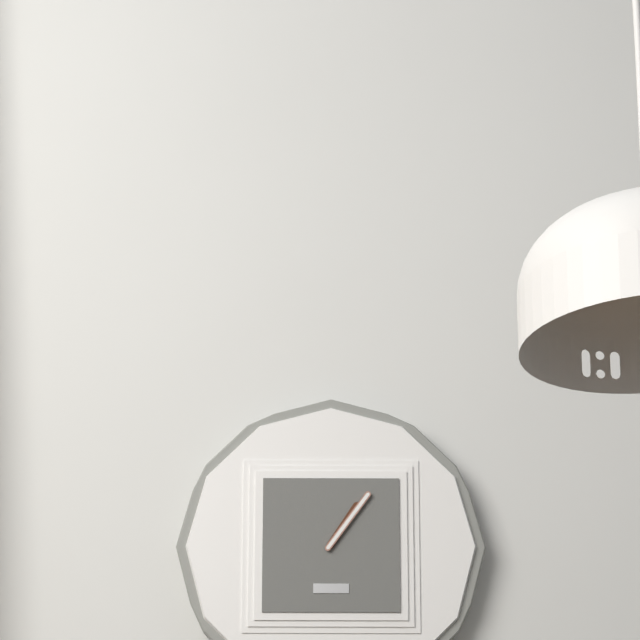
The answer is 1:06
